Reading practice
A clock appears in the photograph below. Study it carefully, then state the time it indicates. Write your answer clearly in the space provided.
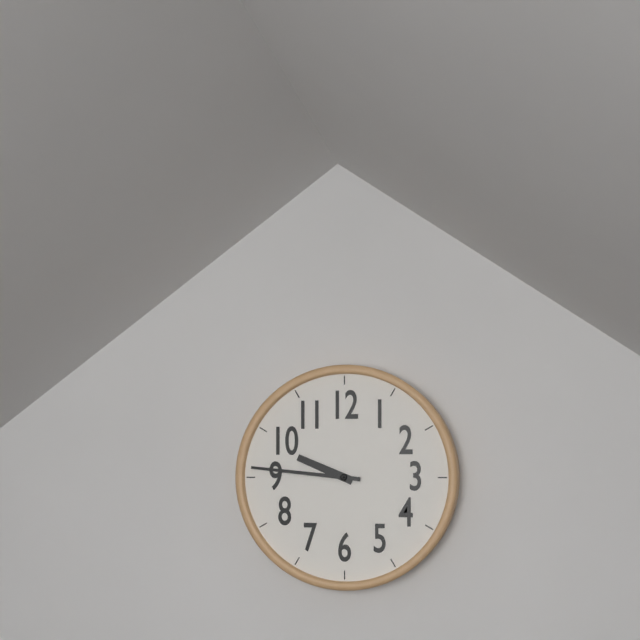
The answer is 9:46
